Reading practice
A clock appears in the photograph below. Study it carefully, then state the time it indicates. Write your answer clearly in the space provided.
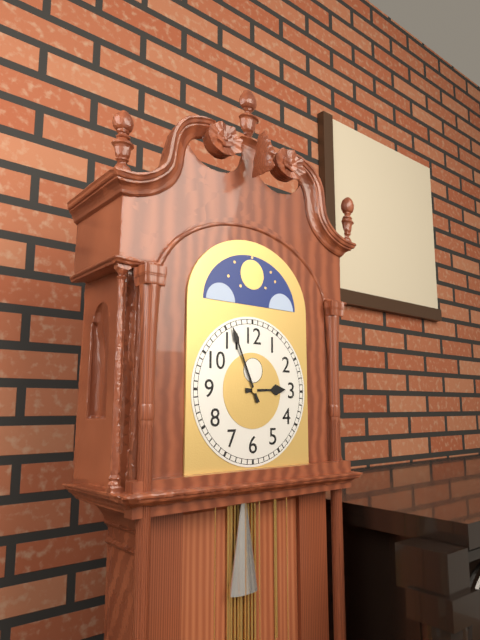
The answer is 2:56
